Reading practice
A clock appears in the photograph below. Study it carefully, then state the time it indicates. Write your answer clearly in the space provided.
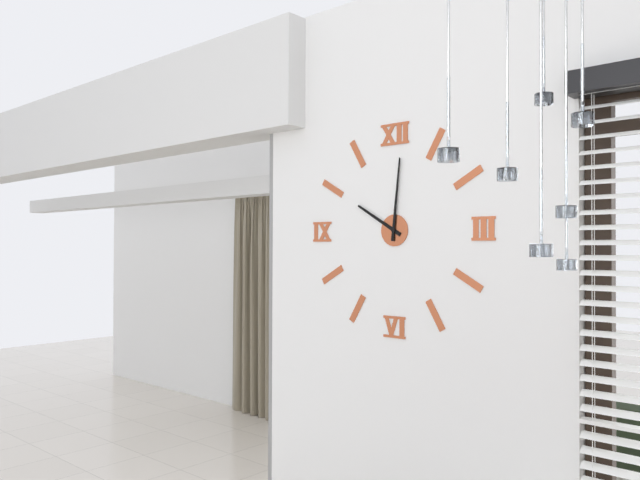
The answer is 10:01
